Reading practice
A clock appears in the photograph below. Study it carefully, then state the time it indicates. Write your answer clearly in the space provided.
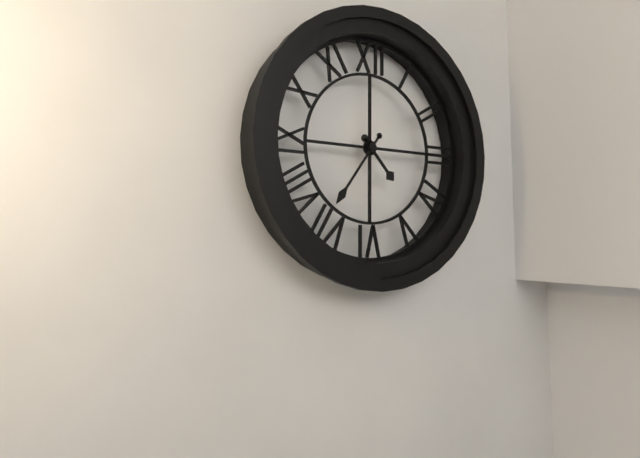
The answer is 4:36
